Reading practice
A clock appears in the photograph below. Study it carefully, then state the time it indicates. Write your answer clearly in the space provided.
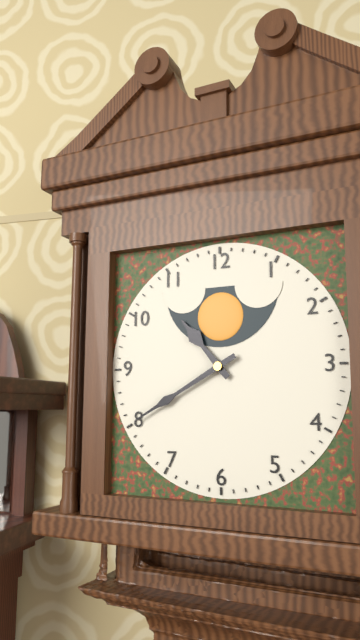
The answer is 10:40
